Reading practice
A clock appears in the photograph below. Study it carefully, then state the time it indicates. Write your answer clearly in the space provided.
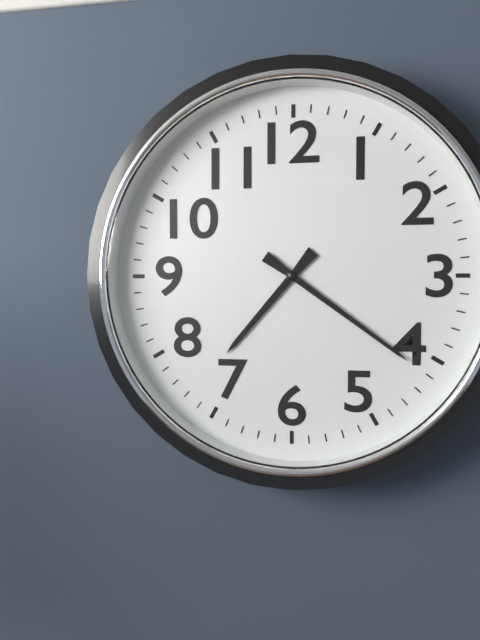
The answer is 7:21
